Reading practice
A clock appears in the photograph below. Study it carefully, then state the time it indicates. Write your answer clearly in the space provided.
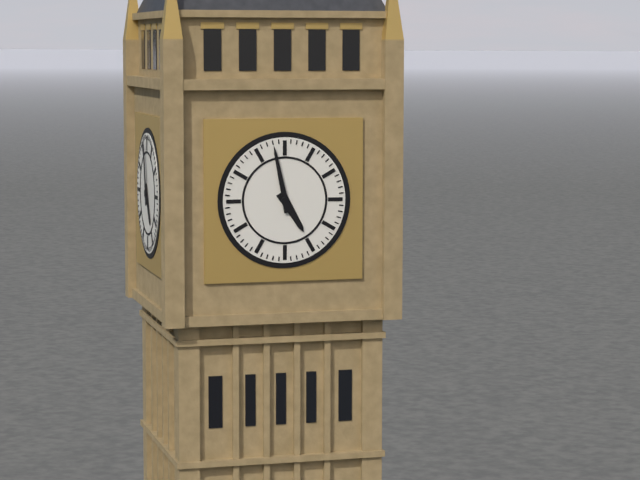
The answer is 4:58
